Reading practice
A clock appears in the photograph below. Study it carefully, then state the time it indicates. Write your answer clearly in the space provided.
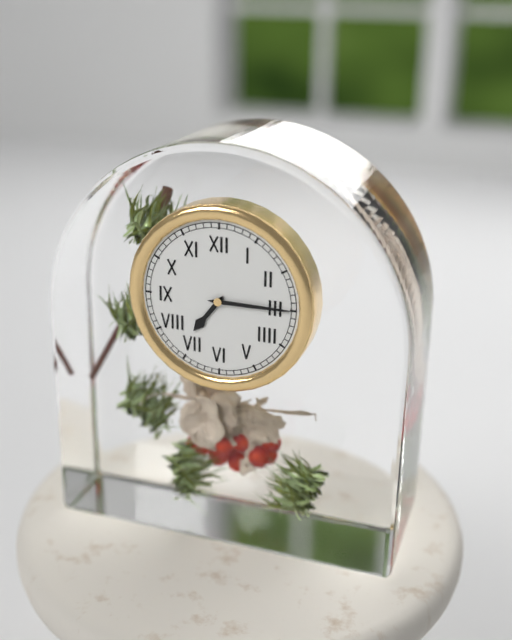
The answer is 7:15
